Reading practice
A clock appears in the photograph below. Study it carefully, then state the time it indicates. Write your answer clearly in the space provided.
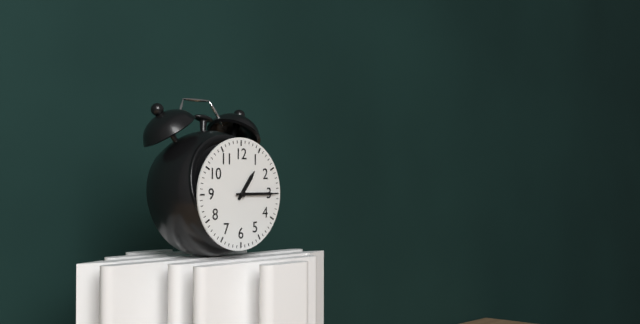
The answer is 1:15
